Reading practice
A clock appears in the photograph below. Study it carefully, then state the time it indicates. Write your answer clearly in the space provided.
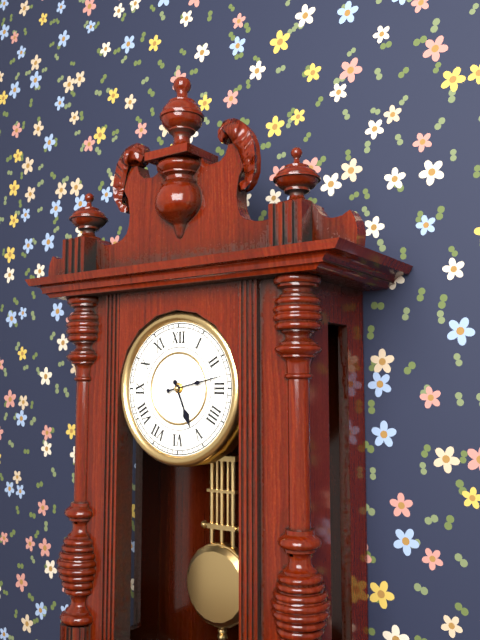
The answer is 5:13
